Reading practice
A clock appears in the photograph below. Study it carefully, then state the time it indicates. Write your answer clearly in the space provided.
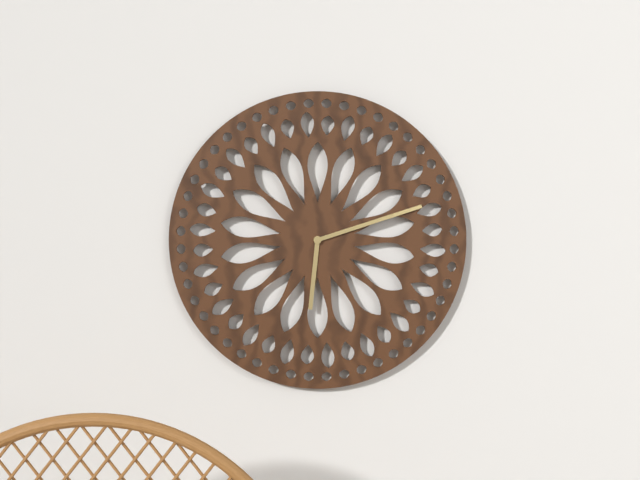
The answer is 6:12
